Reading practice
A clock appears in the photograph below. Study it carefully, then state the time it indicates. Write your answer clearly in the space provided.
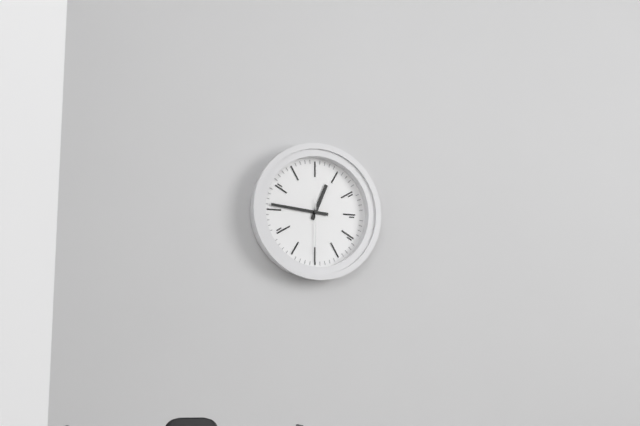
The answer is 12:46:30
